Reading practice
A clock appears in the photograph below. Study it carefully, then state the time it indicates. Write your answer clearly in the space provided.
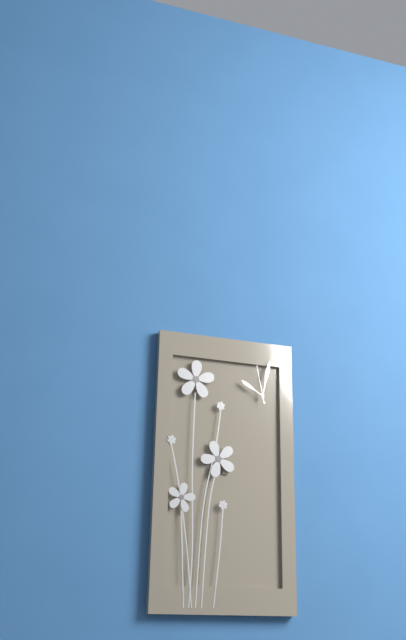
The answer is 10:02
